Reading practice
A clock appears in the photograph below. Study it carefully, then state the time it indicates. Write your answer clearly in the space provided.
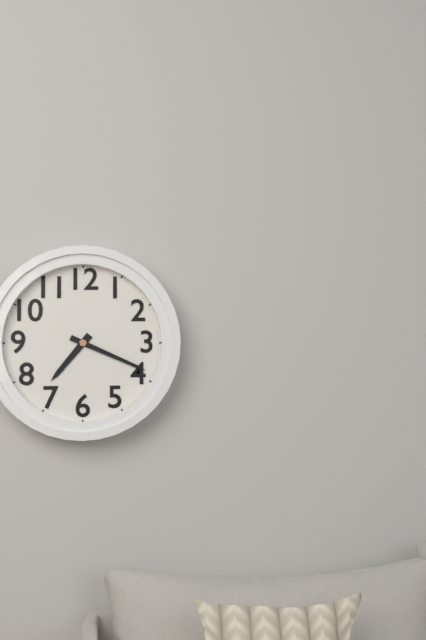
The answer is 7:19
